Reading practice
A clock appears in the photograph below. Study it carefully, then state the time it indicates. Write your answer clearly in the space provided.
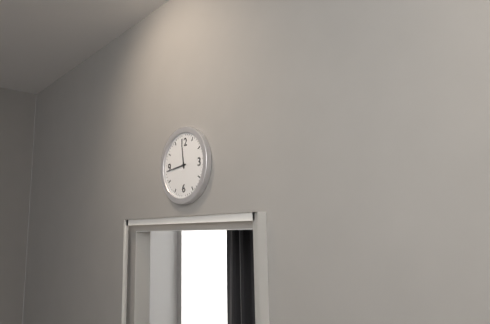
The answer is 11:44
